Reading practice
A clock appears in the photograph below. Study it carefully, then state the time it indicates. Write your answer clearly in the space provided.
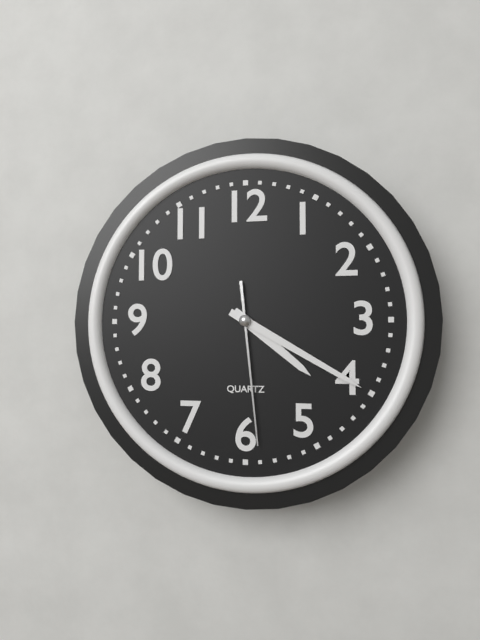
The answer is 4:20:29
